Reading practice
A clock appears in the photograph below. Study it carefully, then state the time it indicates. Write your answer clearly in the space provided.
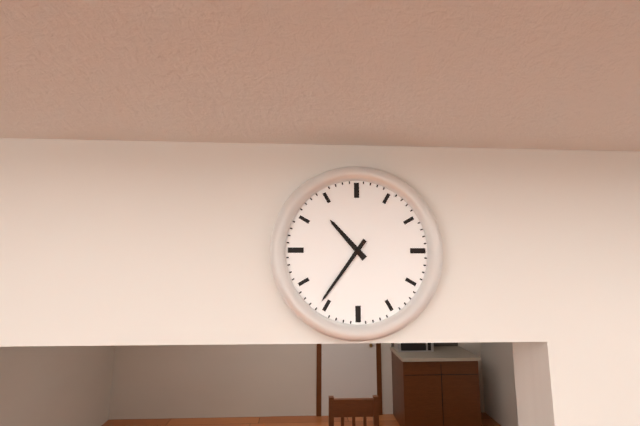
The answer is 10:36
